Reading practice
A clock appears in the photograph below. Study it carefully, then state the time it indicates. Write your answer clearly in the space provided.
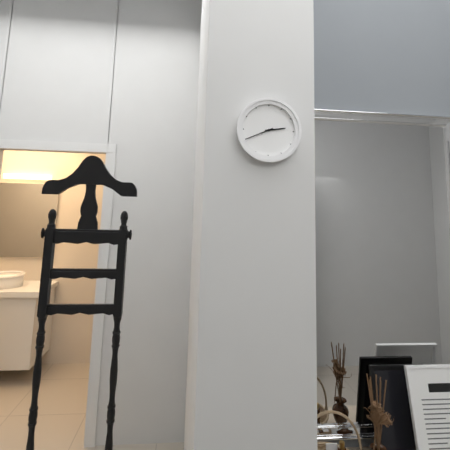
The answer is 2:41
